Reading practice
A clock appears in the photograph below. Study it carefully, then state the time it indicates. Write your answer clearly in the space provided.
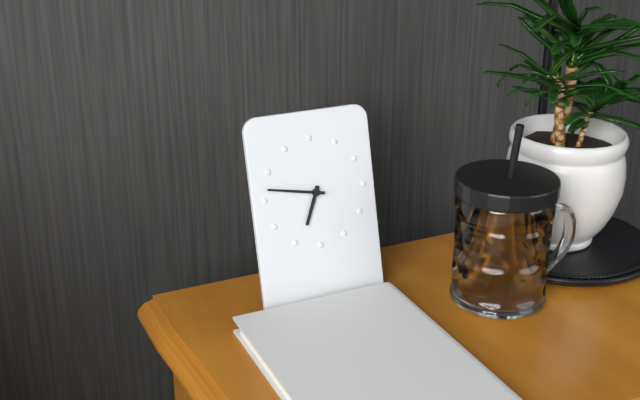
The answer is 6:47
